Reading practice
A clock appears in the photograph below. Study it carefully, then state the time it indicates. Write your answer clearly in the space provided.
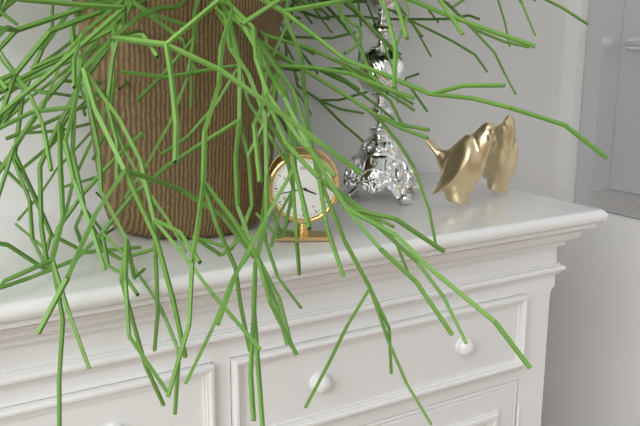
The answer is 3:43
